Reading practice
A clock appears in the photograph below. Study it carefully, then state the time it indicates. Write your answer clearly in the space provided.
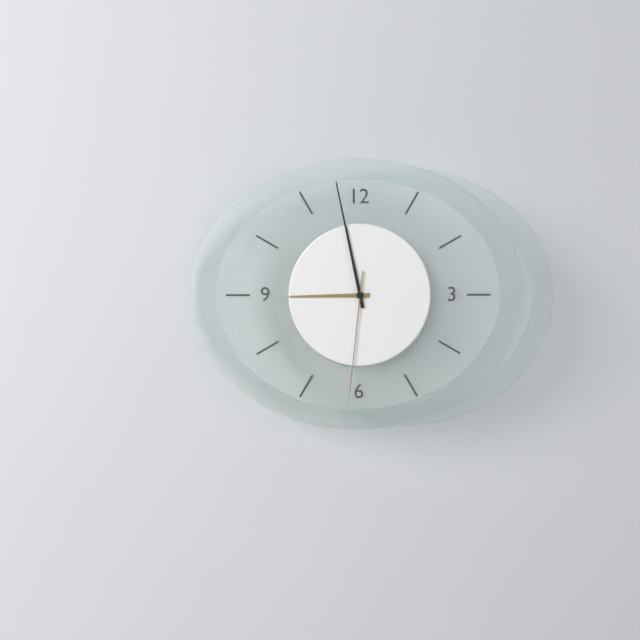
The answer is 8:58:31
